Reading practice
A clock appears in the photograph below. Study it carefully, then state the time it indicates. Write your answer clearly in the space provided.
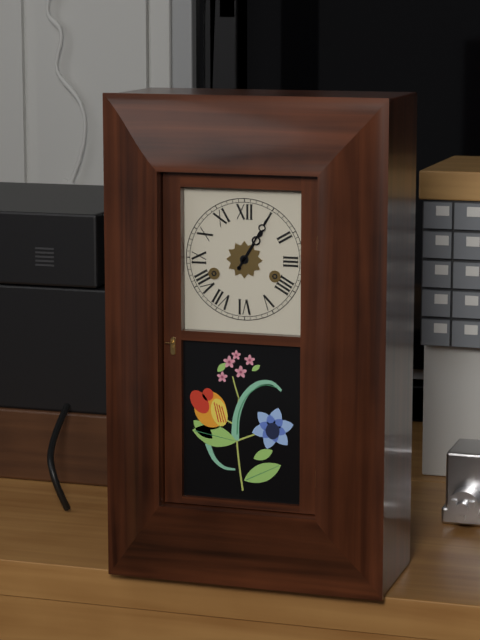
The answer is 1:05
